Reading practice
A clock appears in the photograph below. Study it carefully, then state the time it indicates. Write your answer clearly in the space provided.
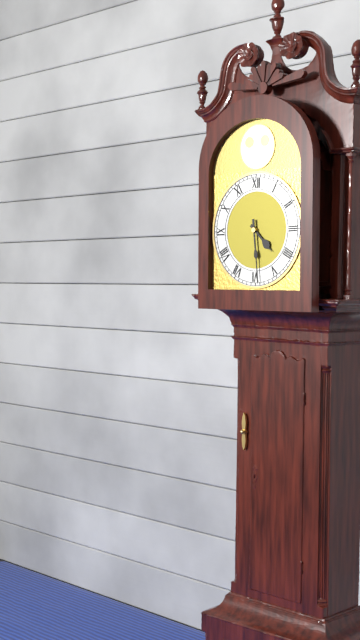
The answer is 4:29
